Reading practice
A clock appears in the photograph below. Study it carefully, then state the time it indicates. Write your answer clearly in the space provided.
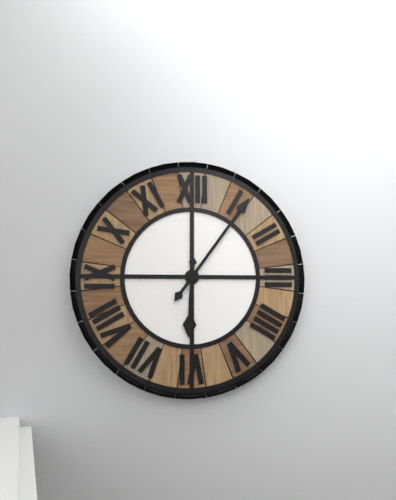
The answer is 6:06
